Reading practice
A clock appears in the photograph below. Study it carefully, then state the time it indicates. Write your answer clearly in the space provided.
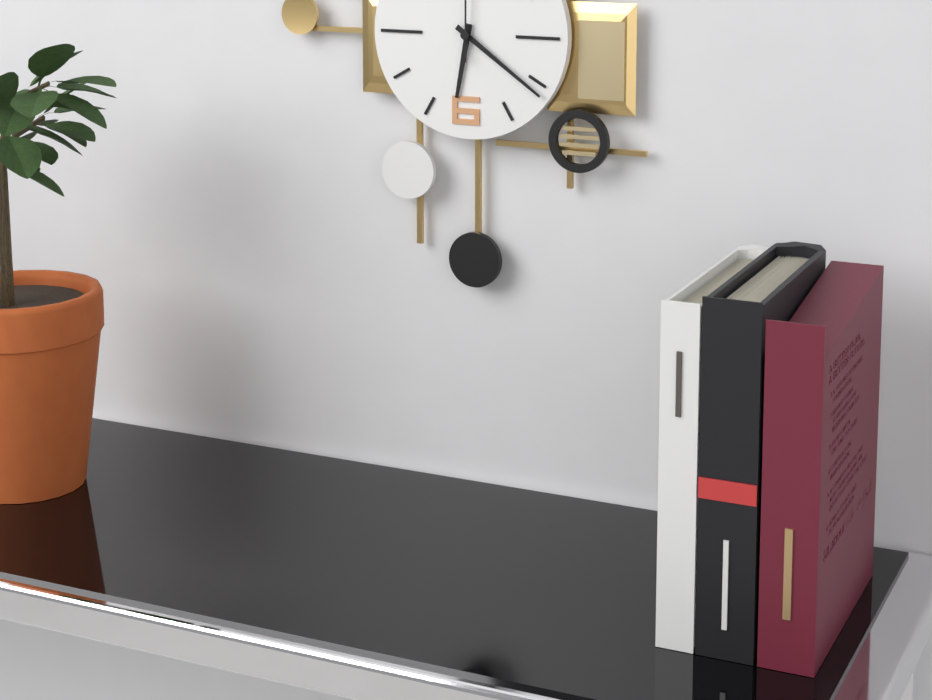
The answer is 6:21
